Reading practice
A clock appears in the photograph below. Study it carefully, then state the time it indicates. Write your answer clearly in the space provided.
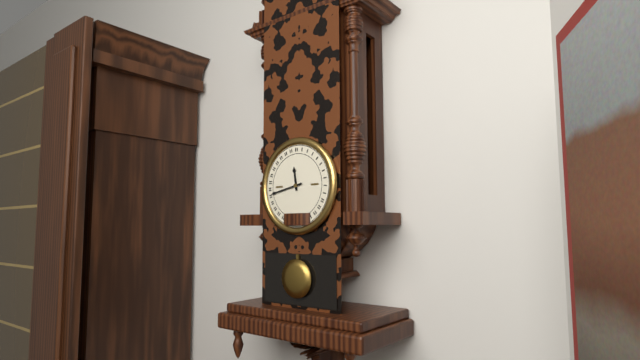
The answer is 11:43
